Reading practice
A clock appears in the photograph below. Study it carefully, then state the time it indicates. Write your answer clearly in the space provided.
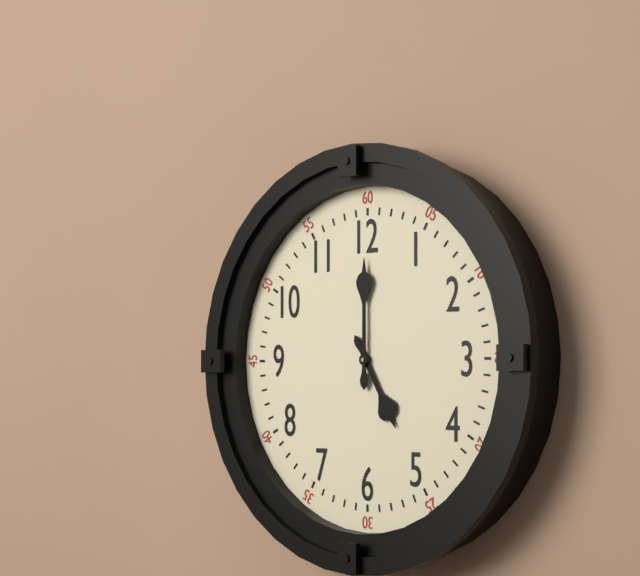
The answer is 5:00
